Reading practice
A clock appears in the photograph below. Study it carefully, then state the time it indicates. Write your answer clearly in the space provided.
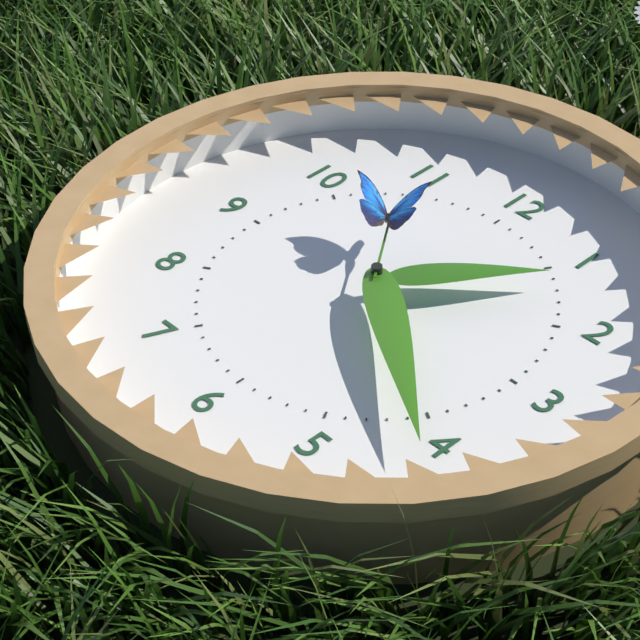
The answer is 1:21:54
